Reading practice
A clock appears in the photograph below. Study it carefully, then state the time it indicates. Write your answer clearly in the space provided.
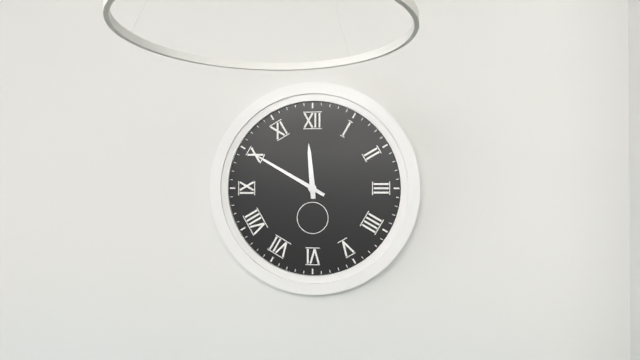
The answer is 11:50
